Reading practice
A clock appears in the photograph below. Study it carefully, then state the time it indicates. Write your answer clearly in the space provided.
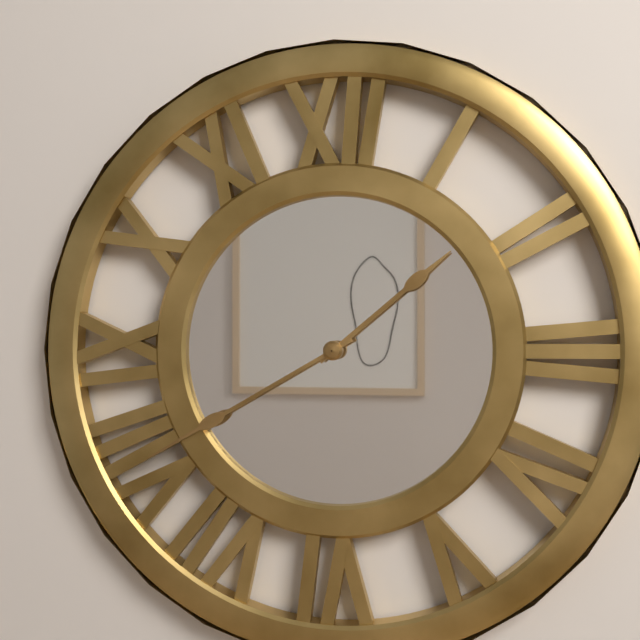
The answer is 1:40
